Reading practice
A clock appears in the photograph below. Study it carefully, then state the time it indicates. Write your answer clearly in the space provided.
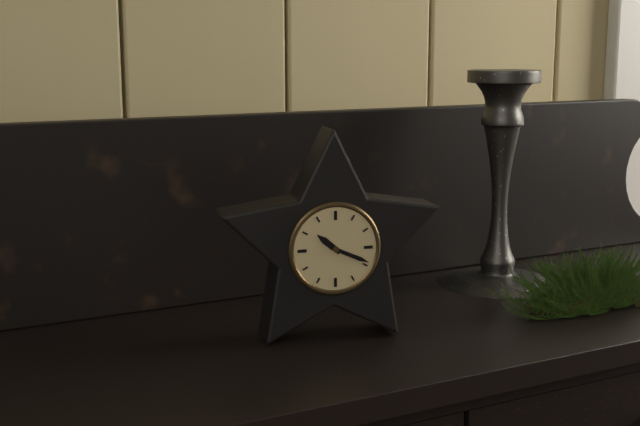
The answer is 10:19
